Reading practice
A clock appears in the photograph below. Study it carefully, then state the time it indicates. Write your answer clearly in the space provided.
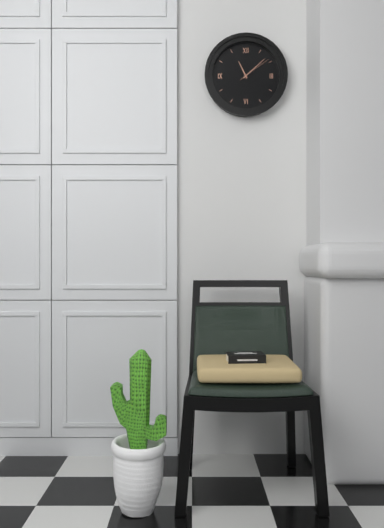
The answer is 11:08
